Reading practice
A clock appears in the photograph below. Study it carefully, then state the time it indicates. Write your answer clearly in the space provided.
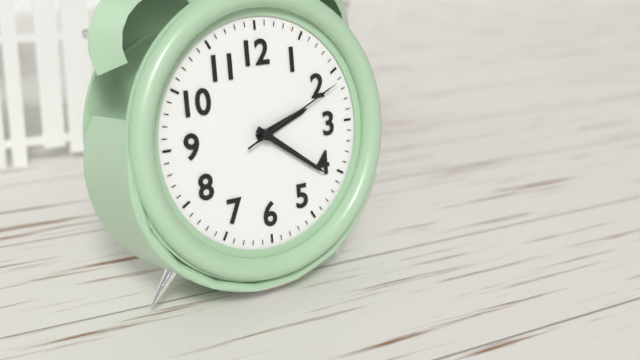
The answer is 2:21:11
